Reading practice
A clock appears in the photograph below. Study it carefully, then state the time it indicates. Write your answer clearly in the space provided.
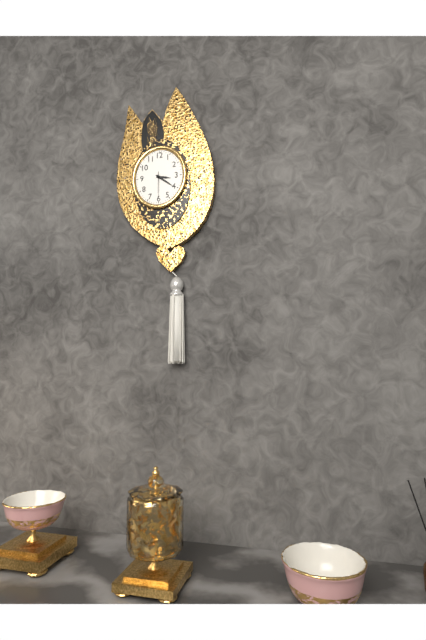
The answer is 3:21
